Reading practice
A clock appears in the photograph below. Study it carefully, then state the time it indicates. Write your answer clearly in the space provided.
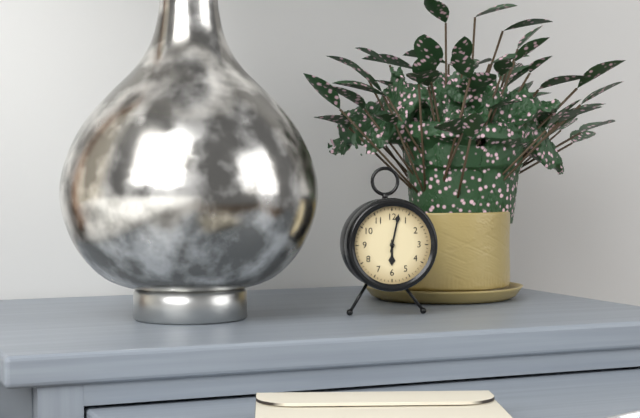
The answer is 6:02
